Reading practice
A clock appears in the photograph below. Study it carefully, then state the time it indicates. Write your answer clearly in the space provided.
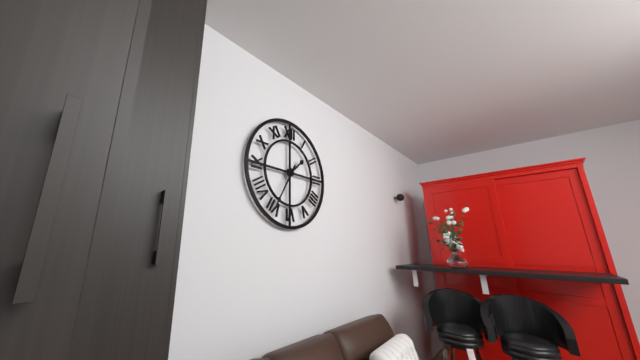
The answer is 1:35
